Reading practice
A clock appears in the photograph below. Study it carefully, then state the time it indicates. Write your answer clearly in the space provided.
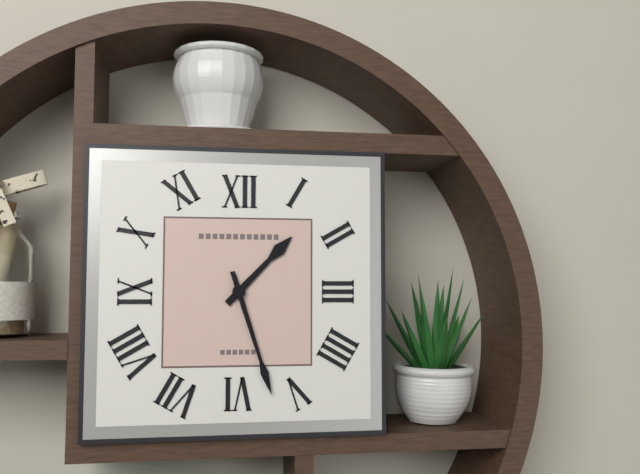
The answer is 1:27
